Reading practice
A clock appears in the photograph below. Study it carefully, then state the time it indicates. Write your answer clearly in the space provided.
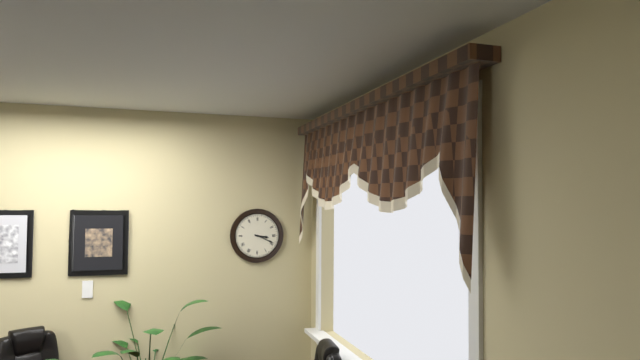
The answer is 3:19
